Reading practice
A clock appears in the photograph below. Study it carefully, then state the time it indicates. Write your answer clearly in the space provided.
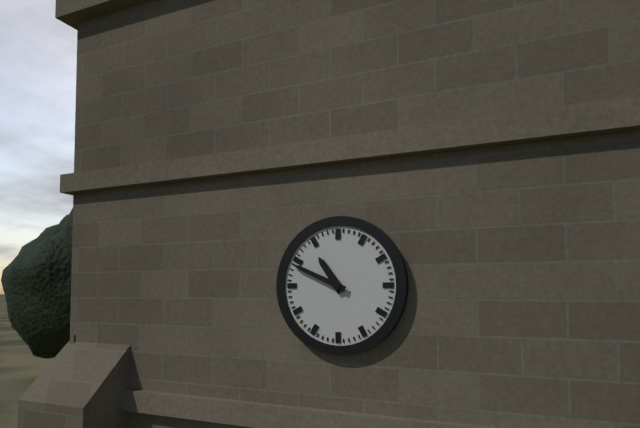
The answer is 10:49
